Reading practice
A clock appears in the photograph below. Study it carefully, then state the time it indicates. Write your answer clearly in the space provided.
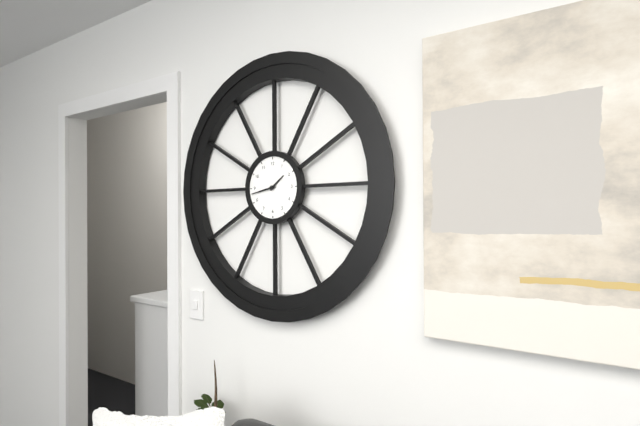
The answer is 1:43
